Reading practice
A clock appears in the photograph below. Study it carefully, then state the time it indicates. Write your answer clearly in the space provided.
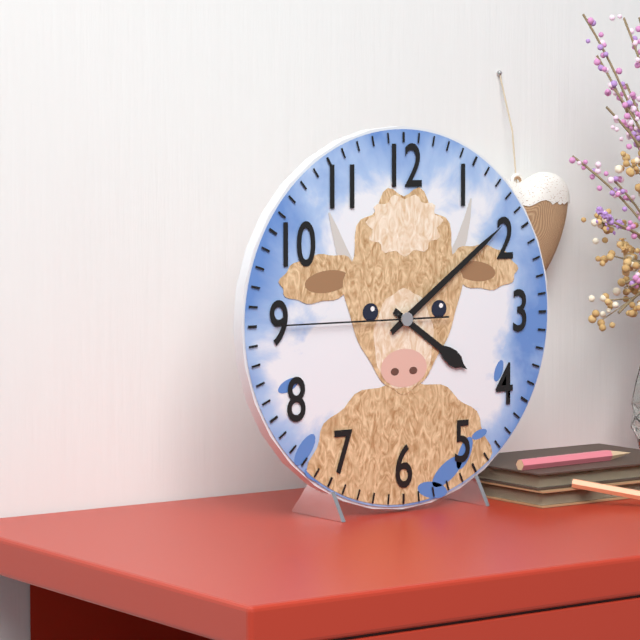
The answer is 4:09:45
